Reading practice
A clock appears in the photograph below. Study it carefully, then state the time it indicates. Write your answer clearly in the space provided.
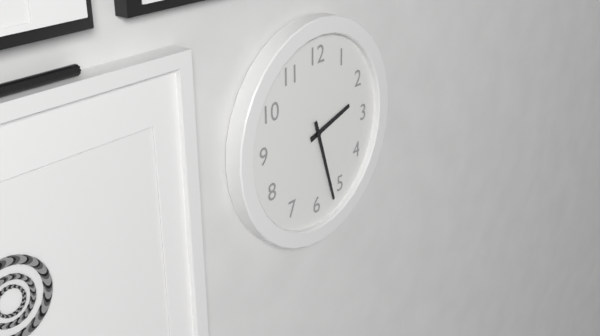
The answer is 2:27
